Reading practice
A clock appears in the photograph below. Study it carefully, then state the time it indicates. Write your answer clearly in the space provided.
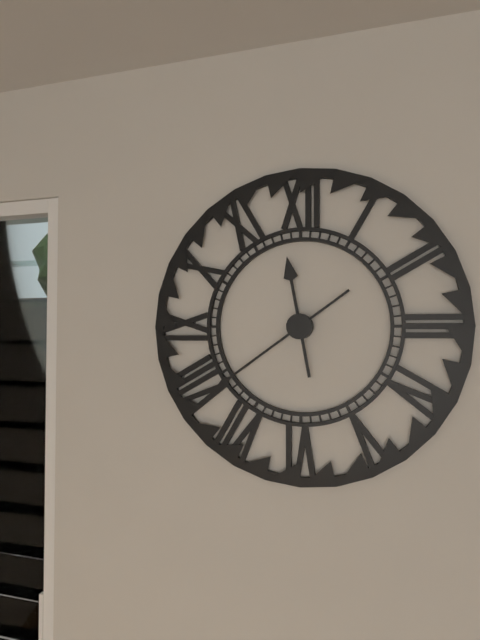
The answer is 11:39
